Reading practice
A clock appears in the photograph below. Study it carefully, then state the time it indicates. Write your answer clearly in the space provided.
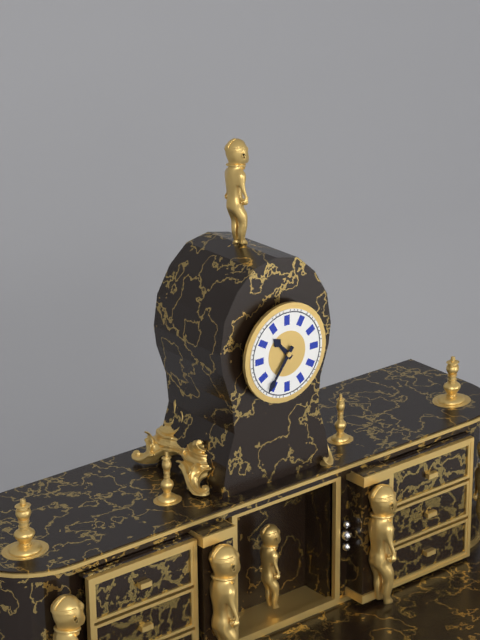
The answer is 10:36
